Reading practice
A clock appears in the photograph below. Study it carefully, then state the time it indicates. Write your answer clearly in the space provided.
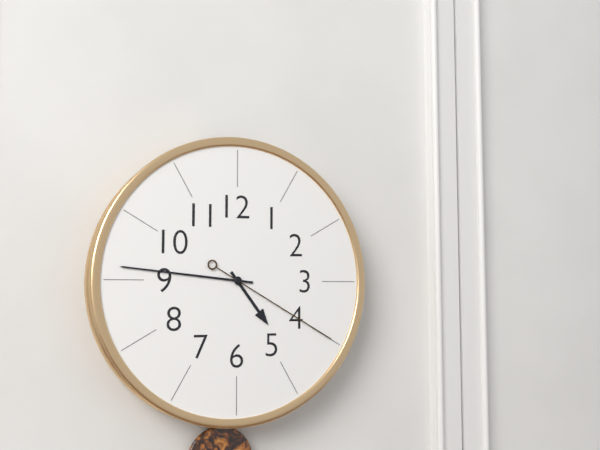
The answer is 4:46:20
